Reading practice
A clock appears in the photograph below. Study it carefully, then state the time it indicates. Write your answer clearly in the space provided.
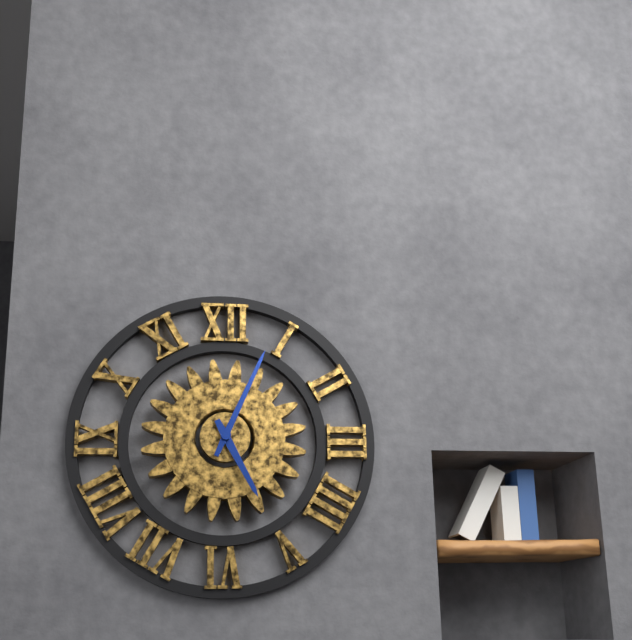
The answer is 5:04
